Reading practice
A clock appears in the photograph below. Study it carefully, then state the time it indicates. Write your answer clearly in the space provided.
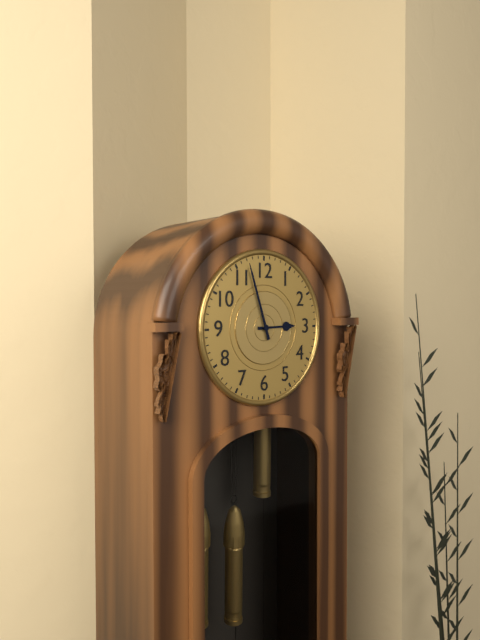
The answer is 2:57
